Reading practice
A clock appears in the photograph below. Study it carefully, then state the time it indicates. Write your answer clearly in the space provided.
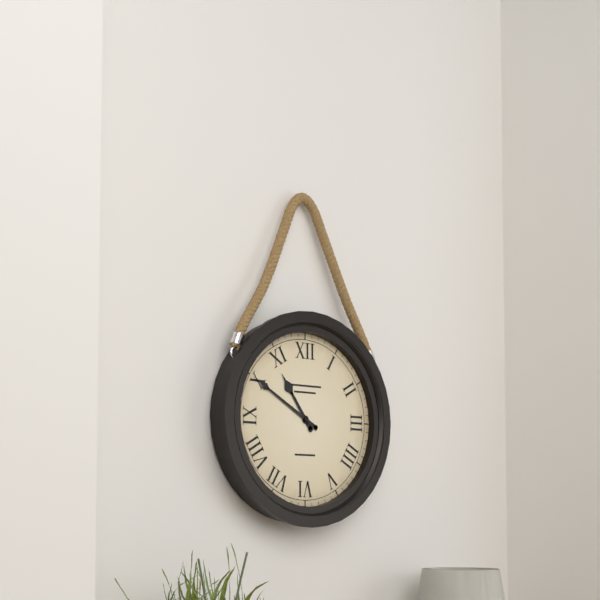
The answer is 10:50
